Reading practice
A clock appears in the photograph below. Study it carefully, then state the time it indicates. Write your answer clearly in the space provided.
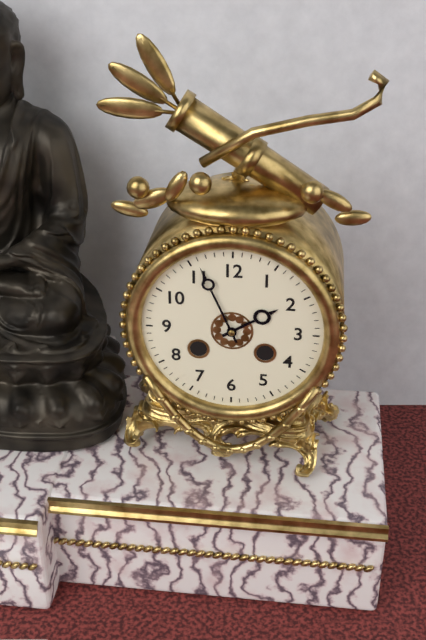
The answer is 1:56
